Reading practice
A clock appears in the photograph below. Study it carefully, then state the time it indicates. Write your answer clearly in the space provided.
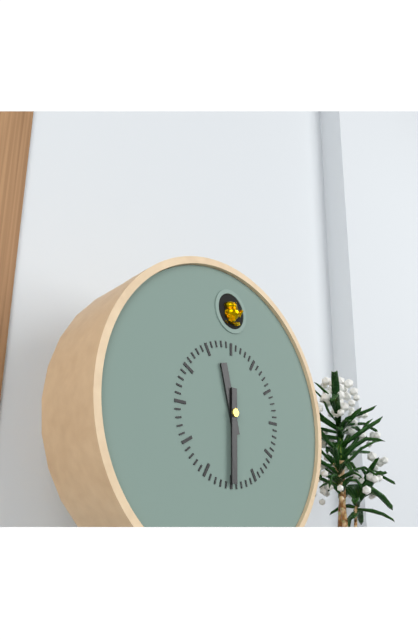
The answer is 11:30
